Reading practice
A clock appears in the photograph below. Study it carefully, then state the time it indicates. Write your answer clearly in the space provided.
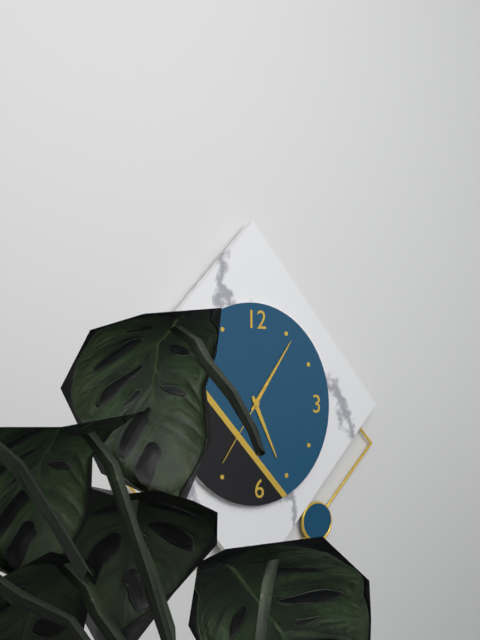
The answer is 5:06:36
